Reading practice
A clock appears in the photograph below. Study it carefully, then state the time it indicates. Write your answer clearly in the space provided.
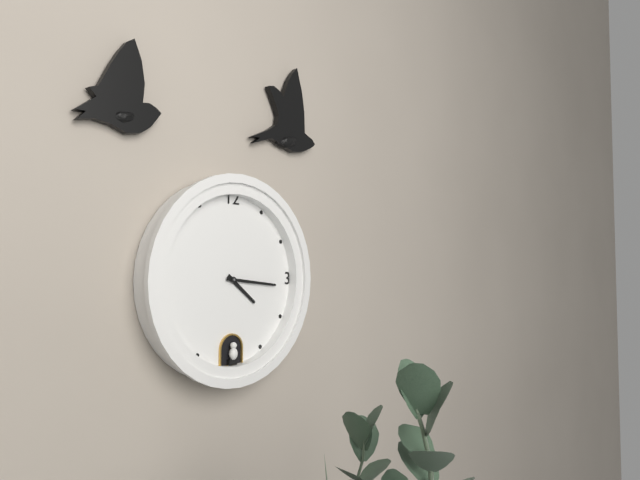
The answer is 4:16
